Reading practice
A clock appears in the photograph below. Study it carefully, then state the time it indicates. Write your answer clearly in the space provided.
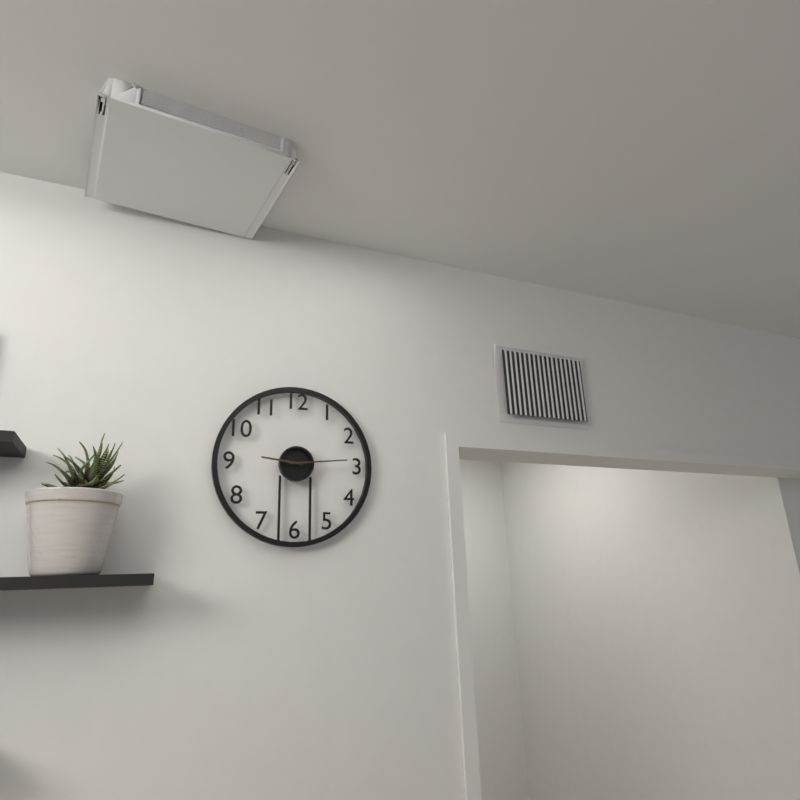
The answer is 9:14
